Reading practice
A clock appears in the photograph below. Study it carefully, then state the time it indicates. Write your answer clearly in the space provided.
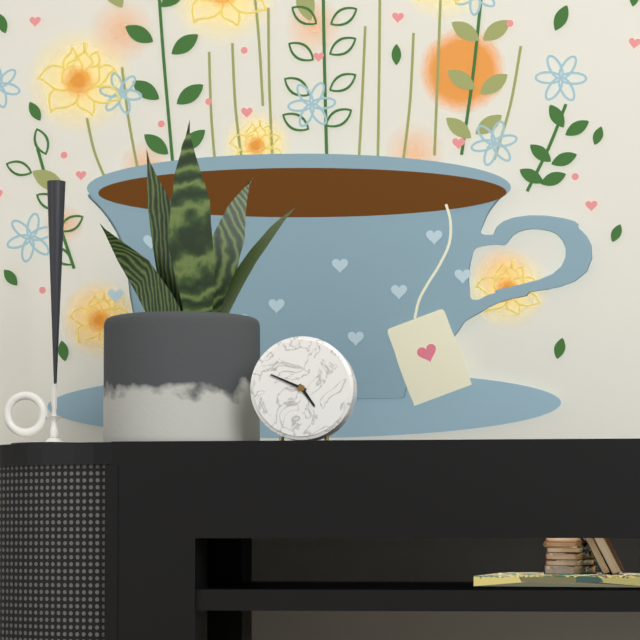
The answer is 4:49
